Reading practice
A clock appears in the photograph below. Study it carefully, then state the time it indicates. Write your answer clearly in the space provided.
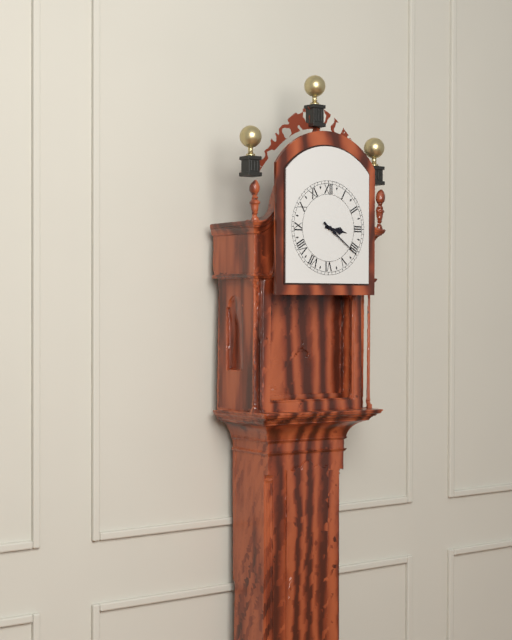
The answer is 3:21
